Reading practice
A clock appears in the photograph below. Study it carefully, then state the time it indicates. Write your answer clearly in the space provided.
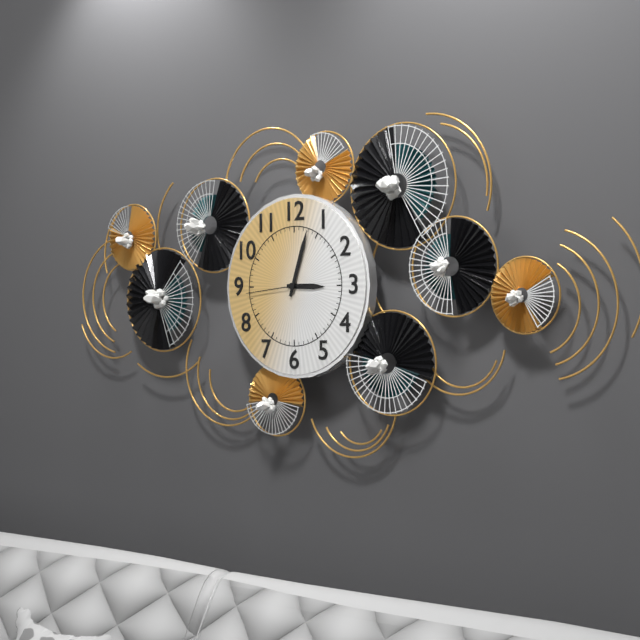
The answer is 3:03:44
